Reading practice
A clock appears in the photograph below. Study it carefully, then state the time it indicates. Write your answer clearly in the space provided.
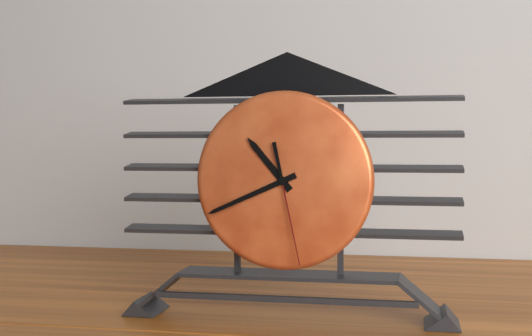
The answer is 10:41:28
